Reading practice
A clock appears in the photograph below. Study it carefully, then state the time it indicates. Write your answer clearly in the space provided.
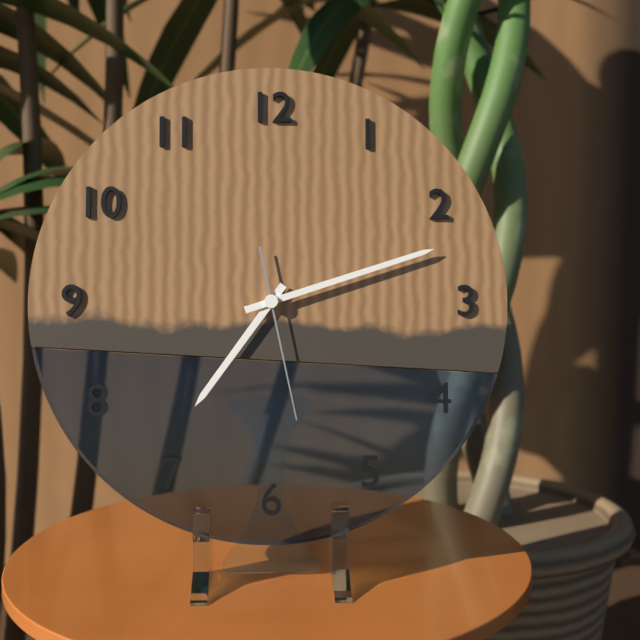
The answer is 7:12:28
